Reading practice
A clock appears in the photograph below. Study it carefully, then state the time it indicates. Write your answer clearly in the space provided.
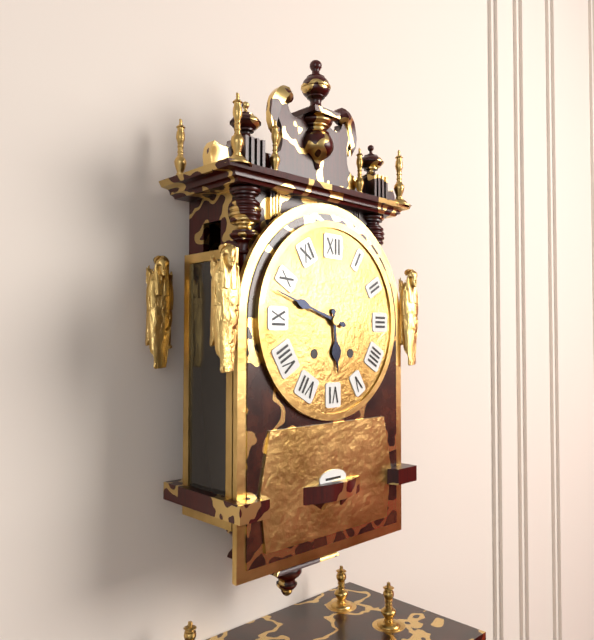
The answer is 5:48
